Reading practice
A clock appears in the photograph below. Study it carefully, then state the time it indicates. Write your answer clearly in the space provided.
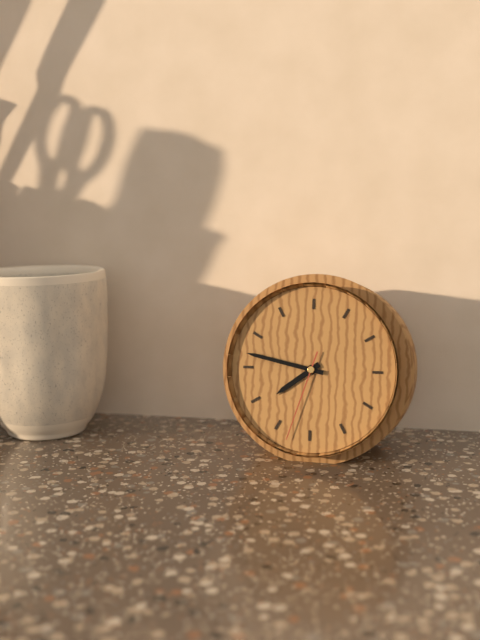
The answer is 7:47:33
